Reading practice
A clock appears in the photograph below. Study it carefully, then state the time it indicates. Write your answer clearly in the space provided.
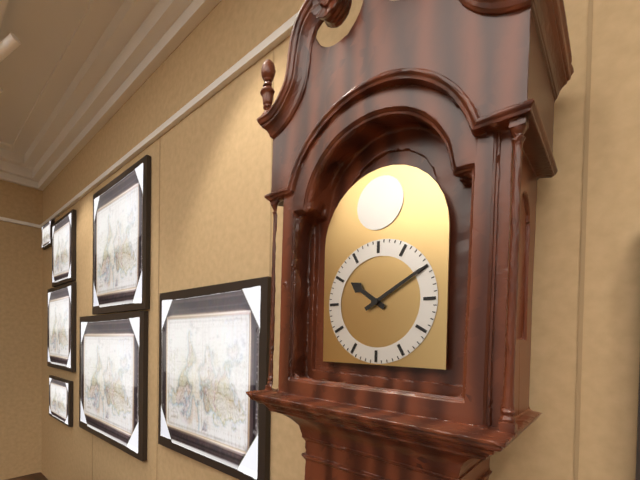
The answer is 10:10
